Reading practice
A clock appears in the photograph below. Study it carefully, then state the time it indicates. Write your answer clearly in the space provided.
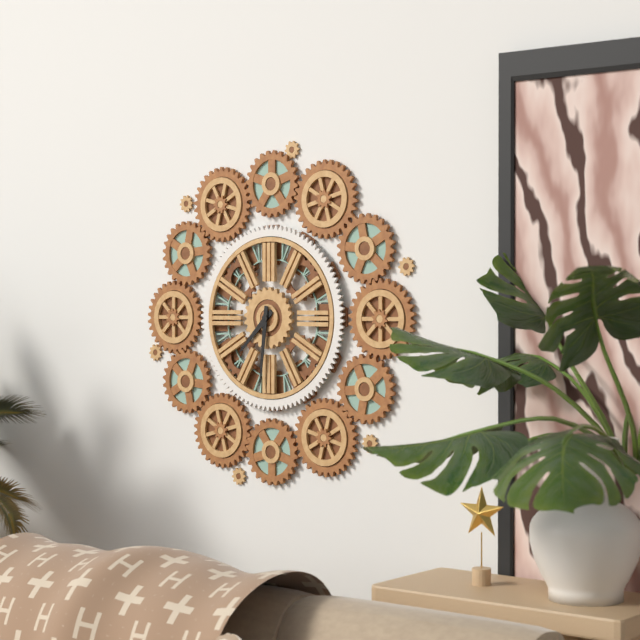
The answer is 7:31
